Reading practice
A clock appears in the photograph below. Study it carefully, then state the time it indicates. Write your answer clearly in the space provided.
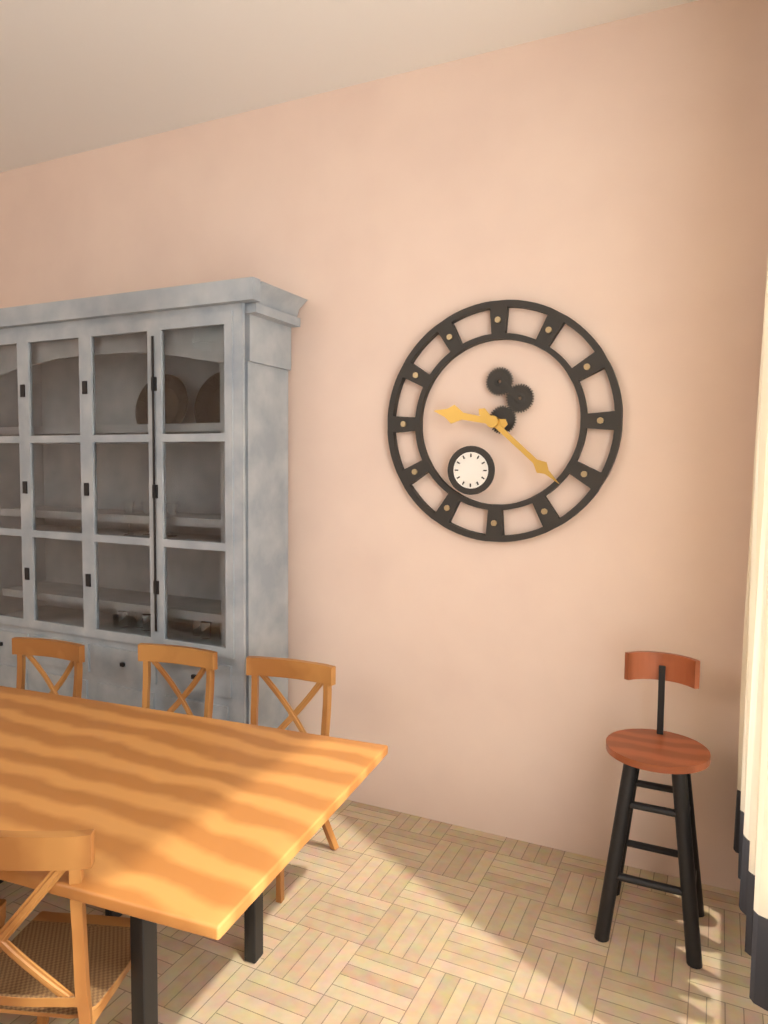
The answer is 9:22
